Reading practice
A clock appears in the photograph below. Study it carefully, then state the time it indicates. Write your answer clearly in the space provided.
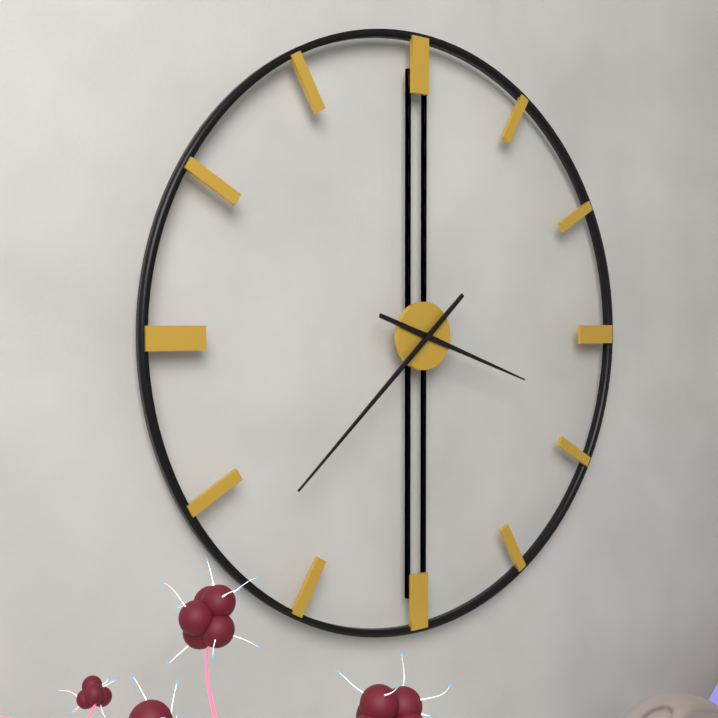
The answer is 3:38
